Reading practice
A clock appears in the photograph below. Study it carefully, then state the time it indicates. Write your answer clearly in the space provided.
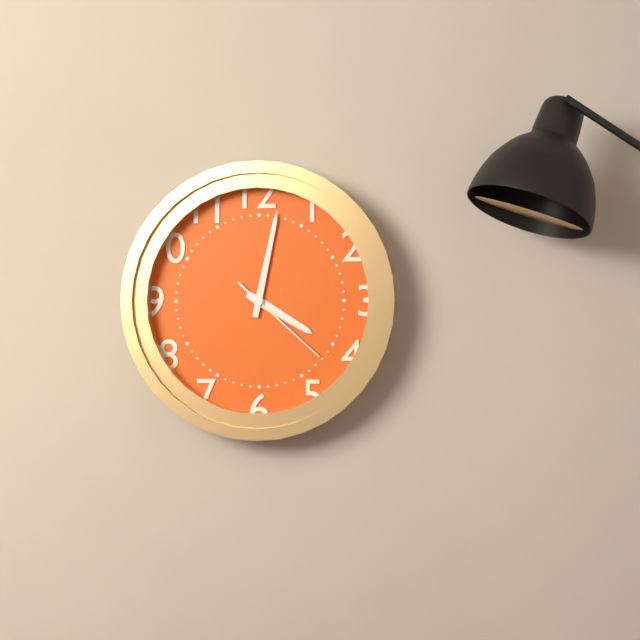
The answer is 4:02:22
